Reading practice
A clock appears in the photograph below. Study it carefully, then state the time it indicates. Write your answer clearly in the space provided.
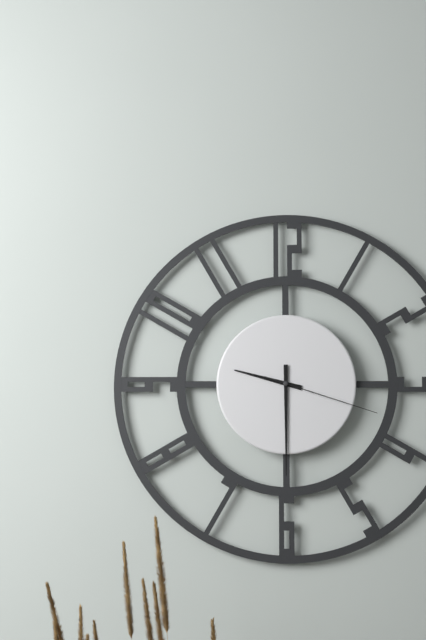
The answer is 9:30:18
